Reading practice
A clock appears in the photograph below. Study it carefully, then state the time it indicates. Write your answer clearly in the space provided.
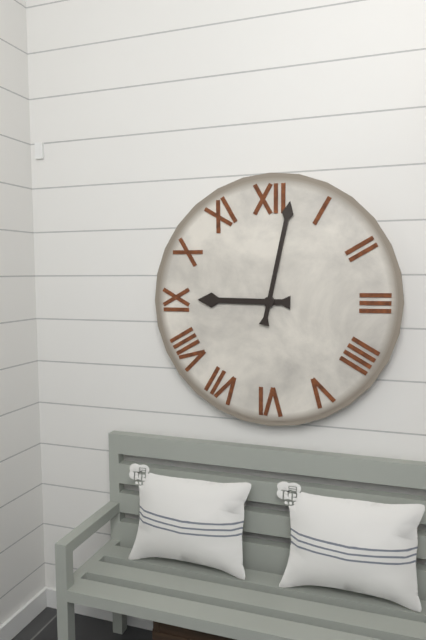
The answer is 9:02
